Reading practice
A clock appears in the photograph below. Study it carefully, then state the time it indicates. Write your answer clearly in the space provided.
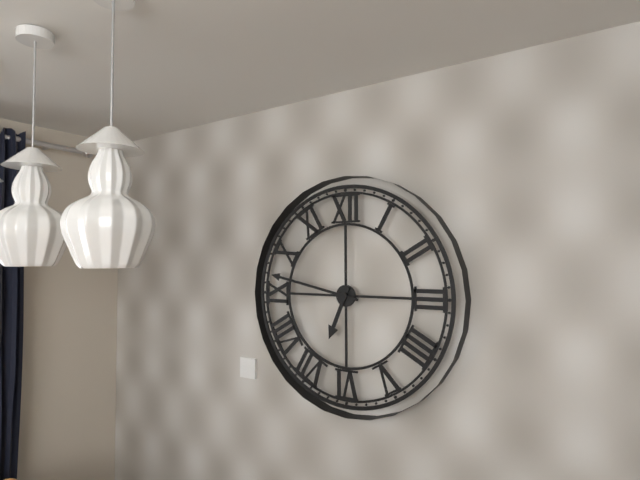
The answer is 6:47
